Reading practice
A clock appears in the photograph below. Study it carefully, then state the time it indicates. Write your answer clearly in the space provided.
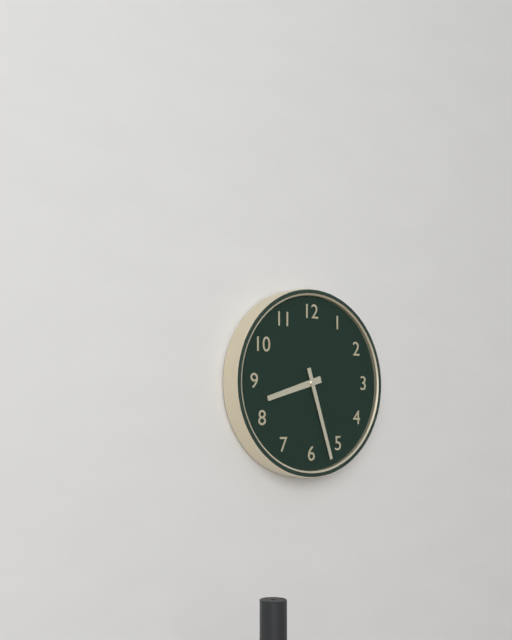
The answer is 8:27
